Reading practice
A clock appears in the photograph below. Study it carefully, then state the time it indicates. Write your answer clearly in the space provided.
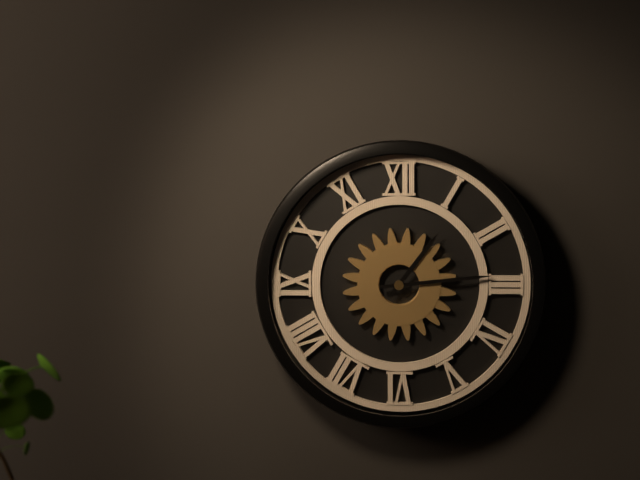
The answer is 1:14
